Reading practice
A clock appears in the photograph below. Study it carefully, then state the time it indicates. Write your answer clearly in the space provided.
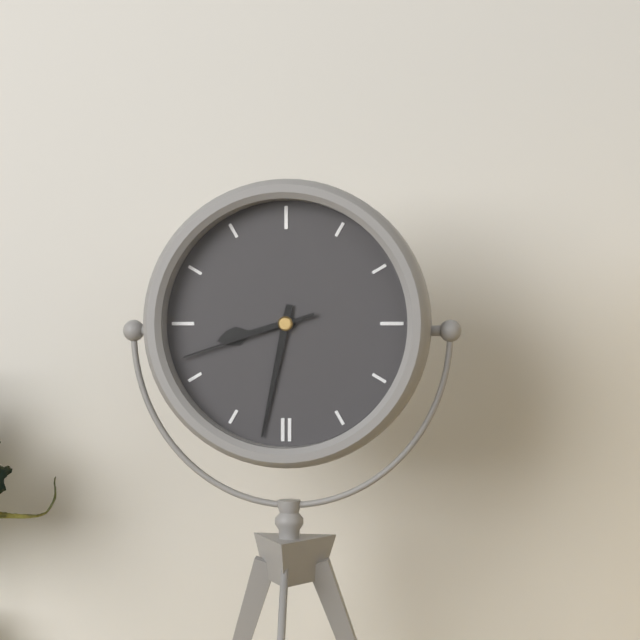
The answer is 8:32:42
